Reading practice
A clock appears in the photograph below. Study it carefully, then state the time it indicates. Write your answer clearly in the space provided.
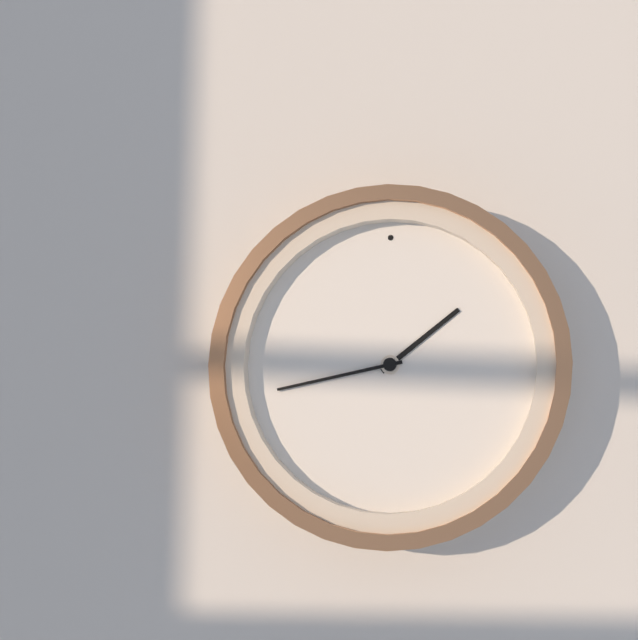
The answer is 1:43
